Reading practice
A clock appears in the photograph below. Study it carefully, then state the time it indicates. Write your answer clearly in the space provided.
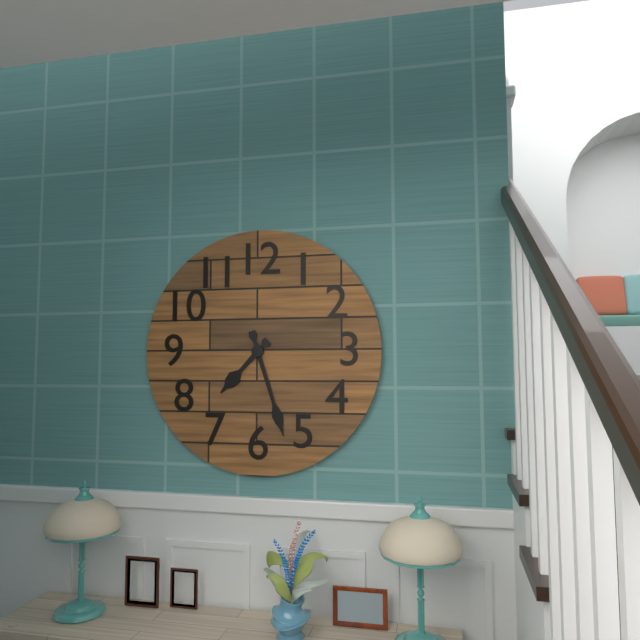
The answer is 7:27
